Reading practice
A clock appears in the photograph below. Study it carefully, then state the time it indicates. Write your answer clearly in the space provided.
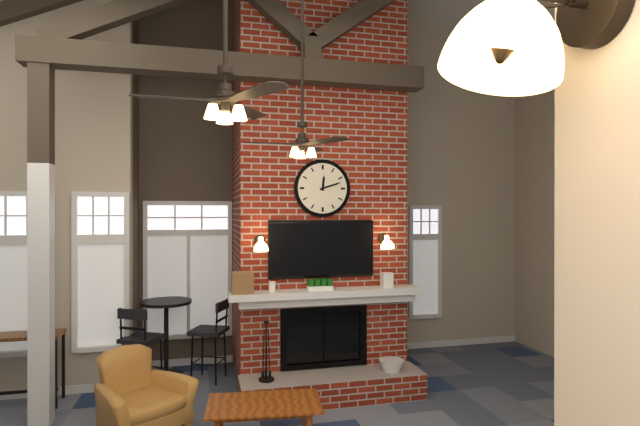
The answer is 12:12
